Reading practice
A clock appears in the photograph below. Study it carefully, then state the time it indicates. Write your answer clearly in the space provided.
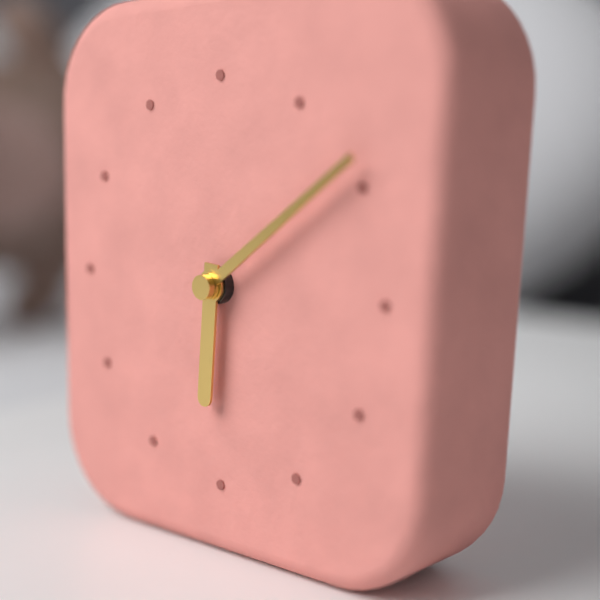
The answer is 6:09
